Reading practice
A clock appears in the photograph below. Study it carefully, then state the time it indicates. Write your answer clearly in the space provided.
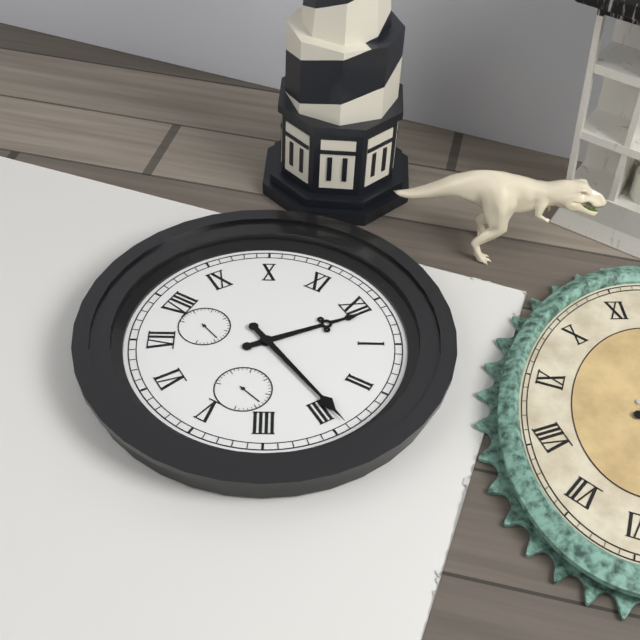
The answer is 12:14
